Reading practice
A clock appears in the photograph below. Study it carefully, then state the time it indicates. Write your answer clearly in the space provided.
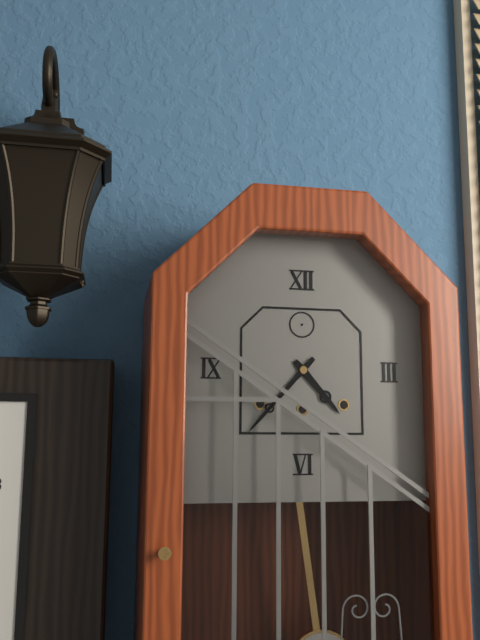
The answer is 4:37
